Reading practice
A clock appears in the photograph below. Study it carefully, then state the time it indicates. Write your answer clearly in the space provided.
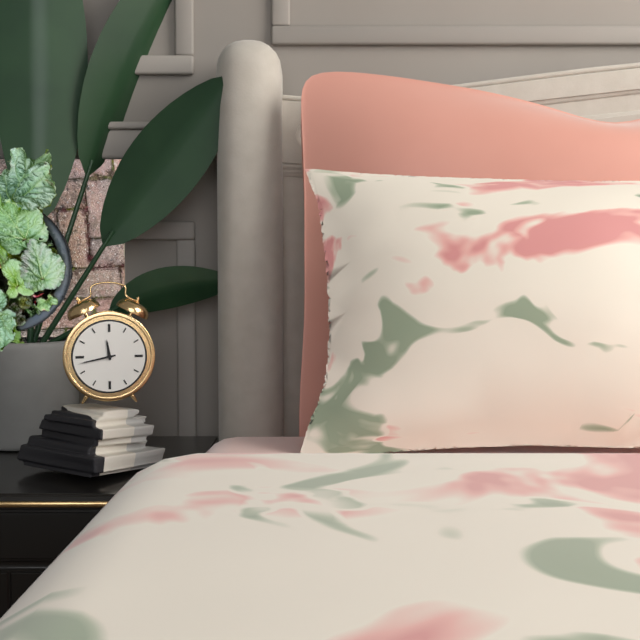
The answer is 11:43
